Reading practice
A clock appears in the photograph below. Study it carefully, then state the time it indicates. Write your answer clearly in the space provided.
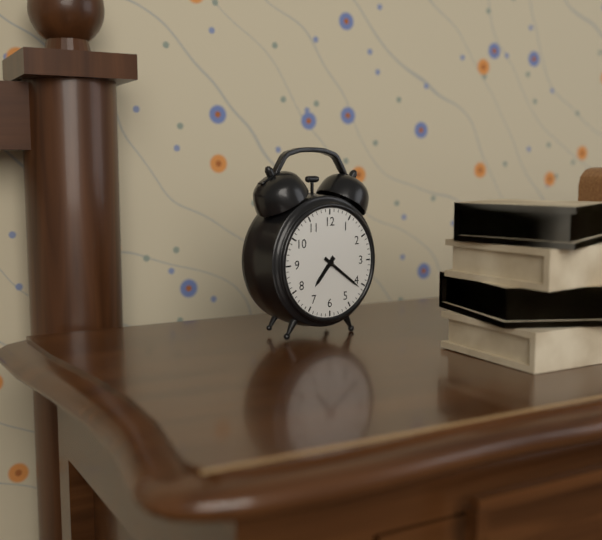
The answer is 7:21
